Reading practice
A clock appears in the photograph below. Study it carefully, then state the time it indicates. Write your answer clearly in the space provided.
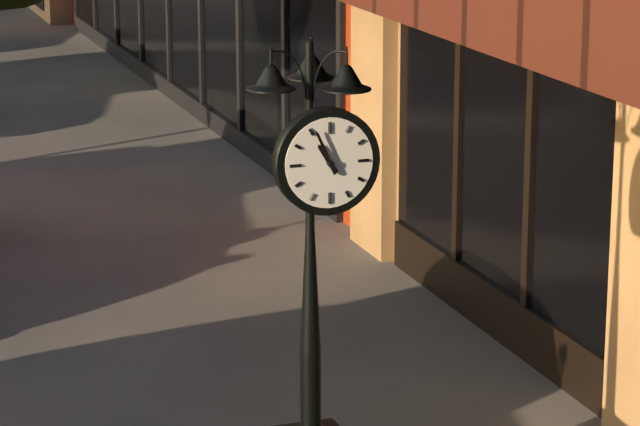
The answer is 10:56
